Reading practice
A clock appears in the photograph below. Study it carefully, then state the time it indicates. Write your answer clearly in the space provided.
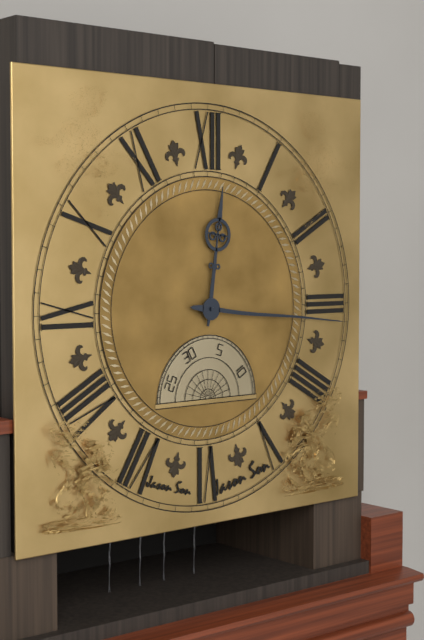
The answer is 12:16
